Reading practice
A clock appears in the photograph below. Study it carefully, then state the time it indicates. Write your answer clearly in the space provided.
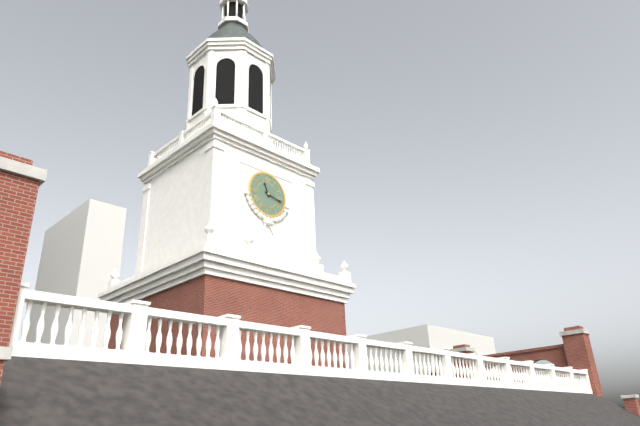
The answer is 11:17
